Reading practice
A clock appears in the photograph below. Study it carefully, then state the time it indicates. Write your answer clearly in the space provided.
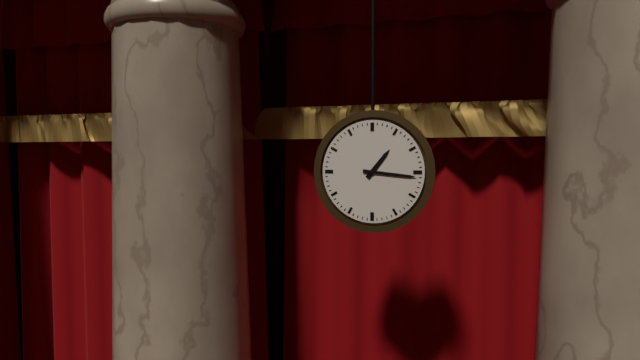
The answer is 1:16
